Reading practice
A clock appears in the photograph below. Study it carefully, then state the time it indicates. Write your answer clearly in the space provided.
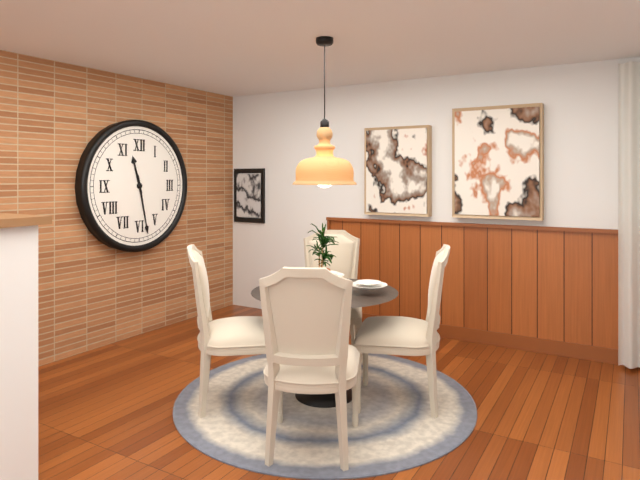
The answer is 11:28
